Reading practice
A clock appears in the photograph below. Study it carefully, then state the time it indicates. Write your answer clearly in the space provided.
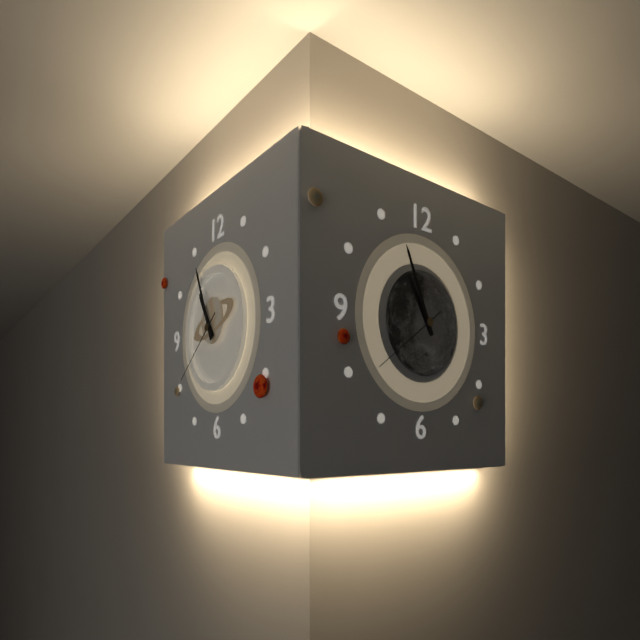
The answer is 10:56:39
